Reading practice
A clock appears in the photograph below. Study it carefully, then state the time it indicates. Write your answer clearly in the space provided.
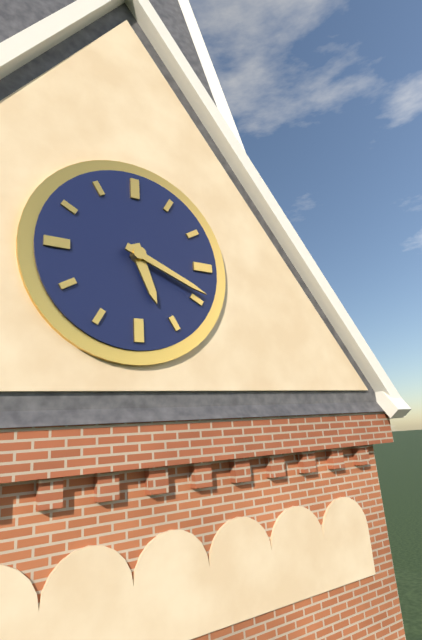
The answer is 5:19
